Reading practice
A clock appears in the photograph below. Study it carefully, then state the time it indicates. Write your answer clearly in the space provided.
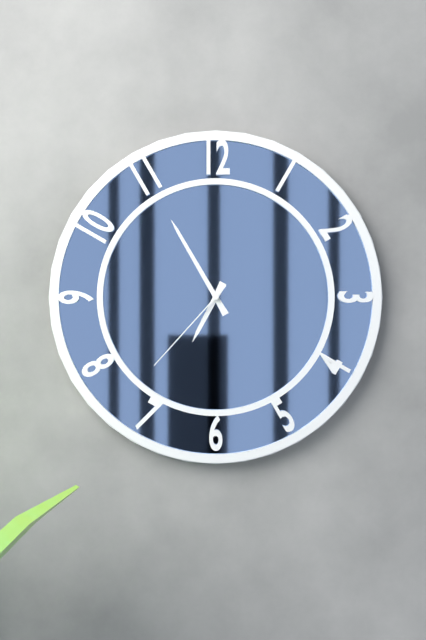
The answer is 6:55:37
